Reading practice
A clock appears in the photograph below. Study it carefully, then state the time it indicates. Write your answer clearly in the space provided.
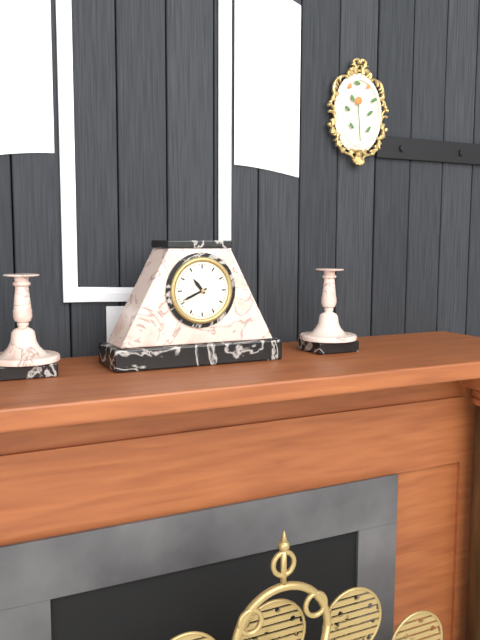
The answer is 10:41
